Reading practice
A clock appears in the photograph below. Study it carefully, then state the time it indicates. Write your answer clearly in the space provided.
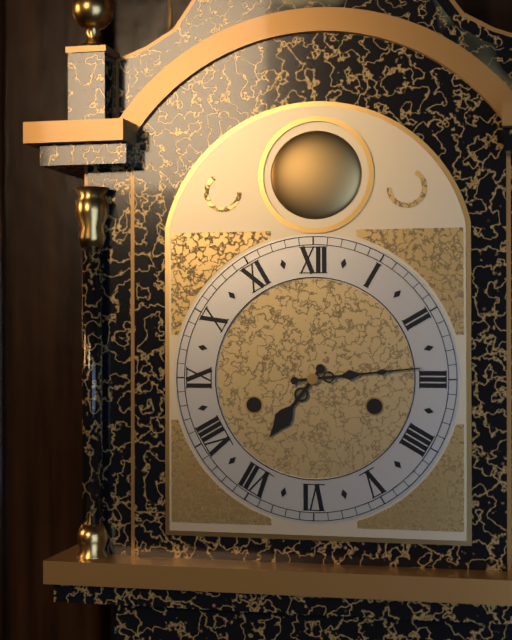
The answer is 7:14
